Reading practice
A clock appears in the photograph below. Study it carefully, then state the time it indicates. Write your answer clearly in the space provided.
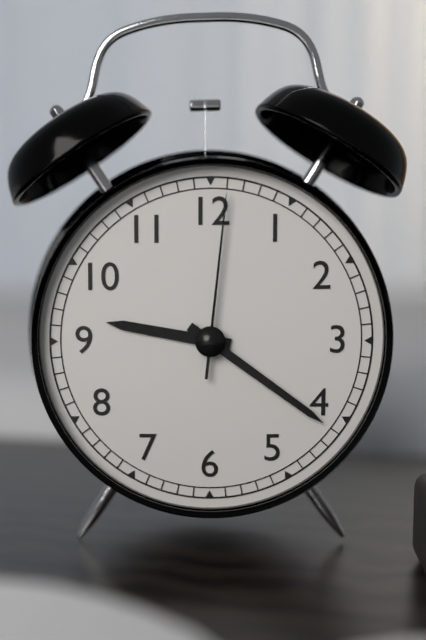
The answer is 9:21:01
